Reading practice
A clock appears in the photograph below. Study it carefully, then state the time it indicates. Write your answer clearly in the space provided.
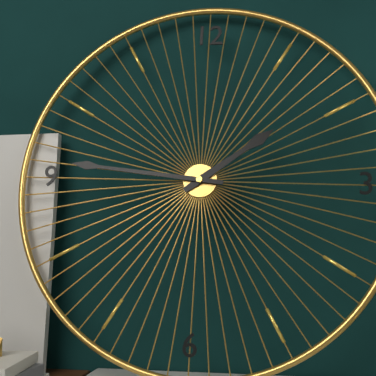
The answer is 1:46
